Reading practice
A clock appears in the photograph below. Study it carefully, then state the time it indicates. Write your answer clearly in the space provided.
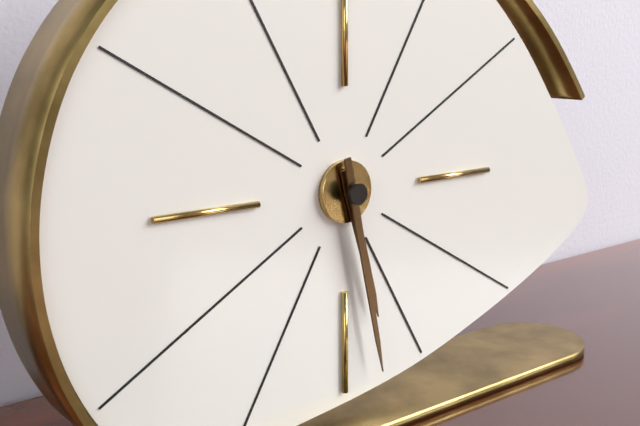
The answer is 5:28
